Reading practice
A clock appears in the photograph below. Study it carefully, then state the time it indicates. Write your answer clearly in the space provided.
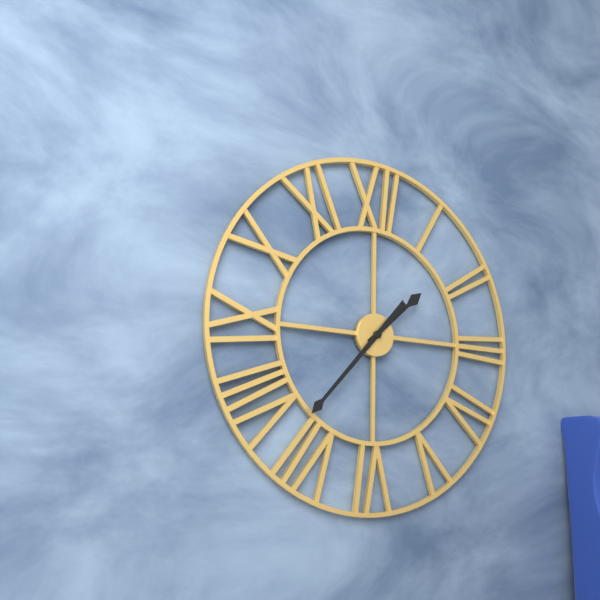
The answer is 1:37
